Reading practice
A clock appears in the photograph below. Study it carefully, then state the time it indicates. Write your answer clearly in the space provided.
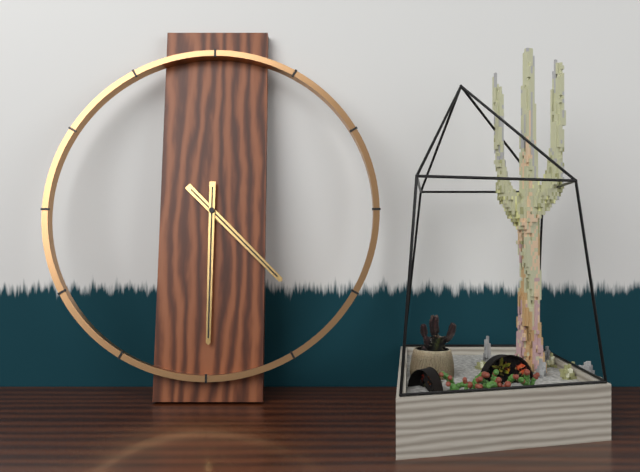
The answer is 4:30
